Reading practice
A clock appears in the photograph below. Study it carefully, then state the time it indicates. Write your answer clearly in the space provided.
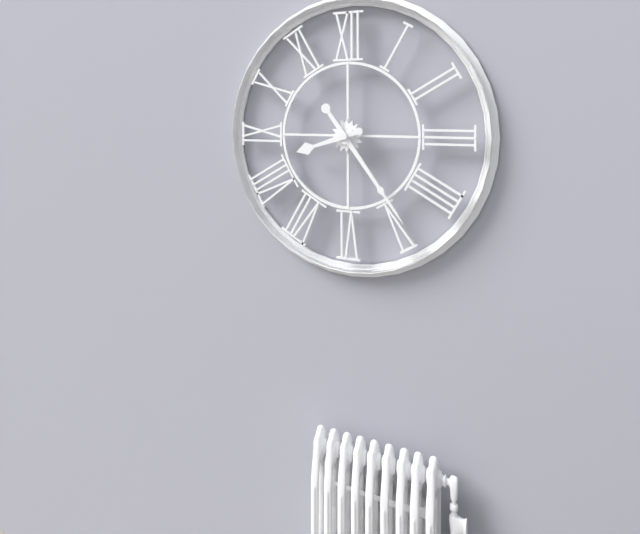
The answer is 8:24
